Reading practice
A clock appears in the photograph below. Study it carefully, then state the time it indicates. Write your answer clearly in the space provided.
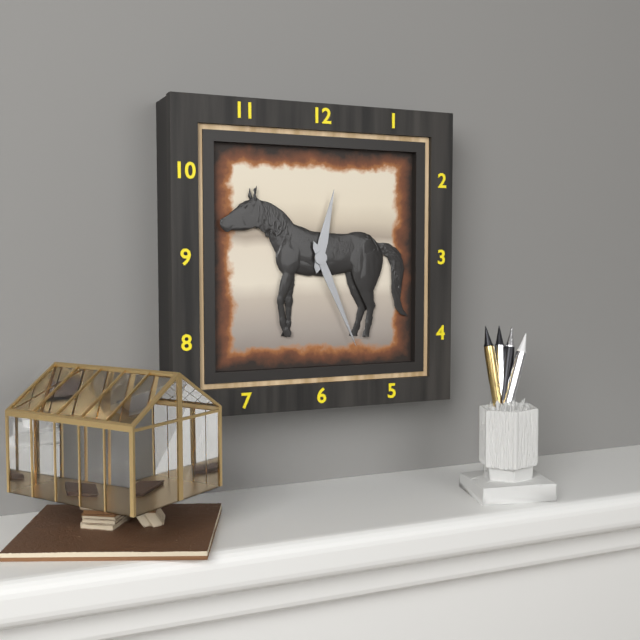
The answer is 12:26
